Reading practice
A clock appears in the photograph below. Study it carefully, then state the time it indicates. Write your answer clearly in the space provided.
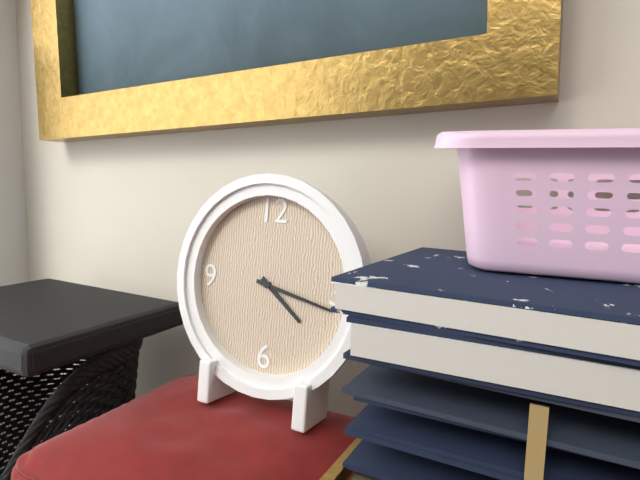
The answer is 4:17
